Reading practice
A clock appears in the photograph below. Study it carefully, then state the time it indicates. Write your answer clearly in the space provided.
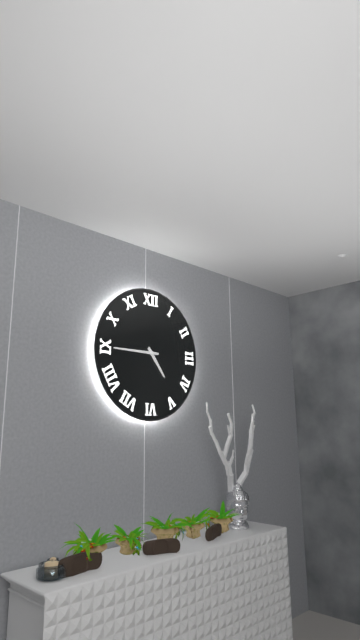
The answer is 4:45
